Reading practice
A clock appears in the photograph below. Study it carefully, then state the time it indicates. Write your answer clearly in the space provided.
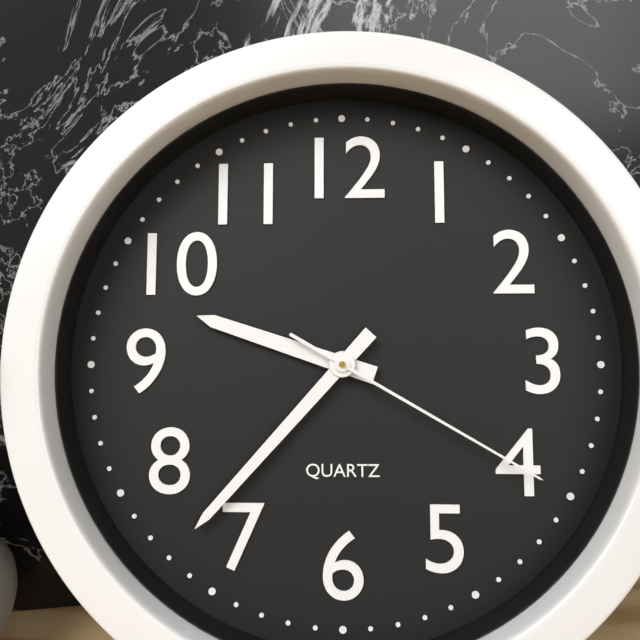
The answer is 9:37:20
